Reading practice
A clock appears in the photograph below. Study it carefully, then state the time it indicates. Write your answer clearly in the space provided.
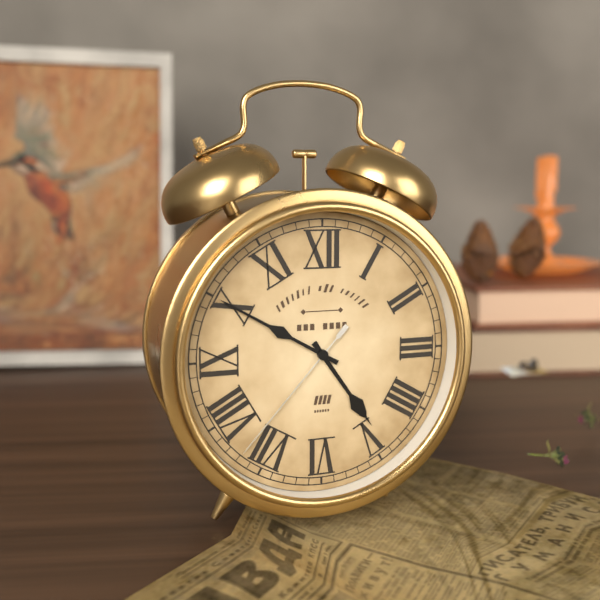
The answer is 4:50:37
